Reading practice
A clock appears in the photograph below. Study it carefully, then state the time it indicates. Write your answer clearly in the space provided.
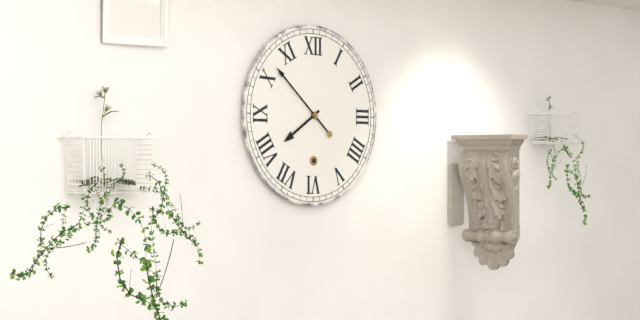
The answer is 7:52
